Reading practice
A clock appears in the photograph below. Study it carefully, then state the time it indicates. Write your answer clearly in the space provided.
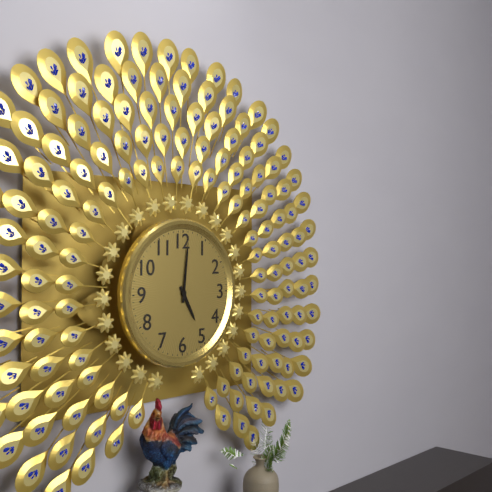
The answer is 5:01
